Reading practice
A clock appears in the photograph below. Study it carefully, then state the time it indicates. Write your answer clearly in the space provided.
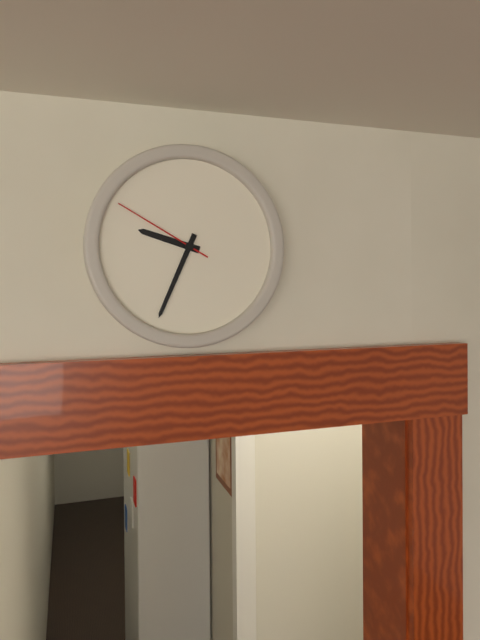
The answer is 9:34:50
